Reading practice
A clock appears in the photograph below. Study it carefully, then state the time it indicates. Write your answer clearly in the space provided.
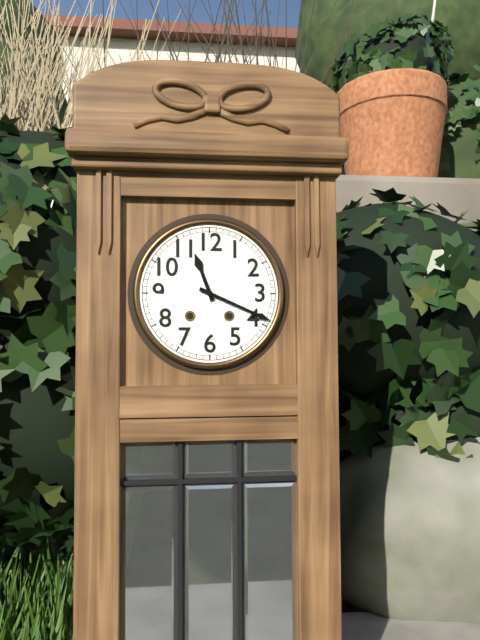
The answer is 11:19
